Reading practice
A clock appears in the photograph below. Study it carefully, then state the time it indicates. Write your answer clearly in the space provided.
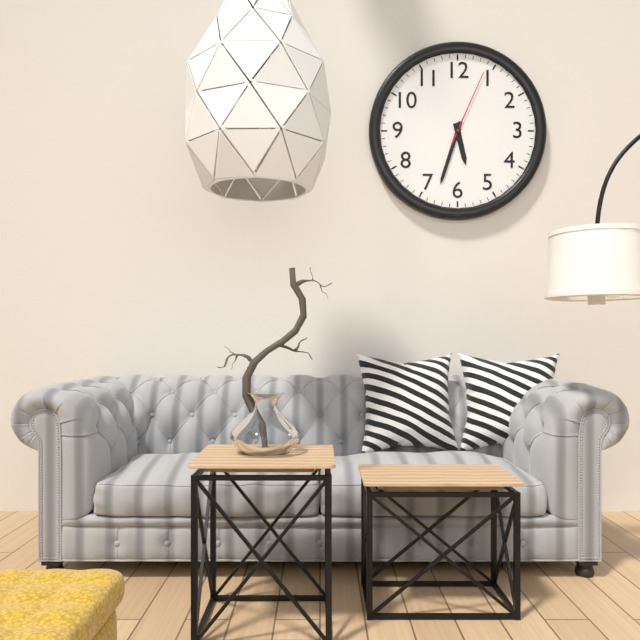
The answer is 5:33:04
